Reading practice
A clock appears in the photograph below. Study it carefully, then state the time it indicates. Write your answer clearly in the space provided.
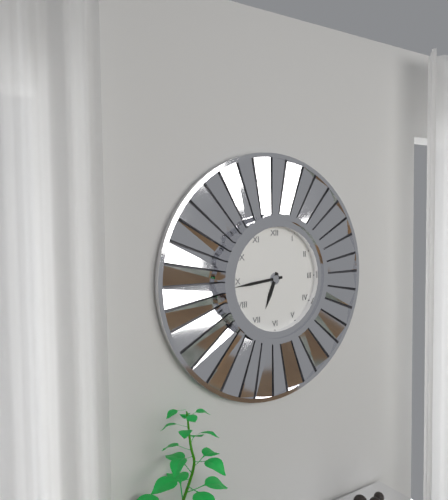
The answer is 6:44
